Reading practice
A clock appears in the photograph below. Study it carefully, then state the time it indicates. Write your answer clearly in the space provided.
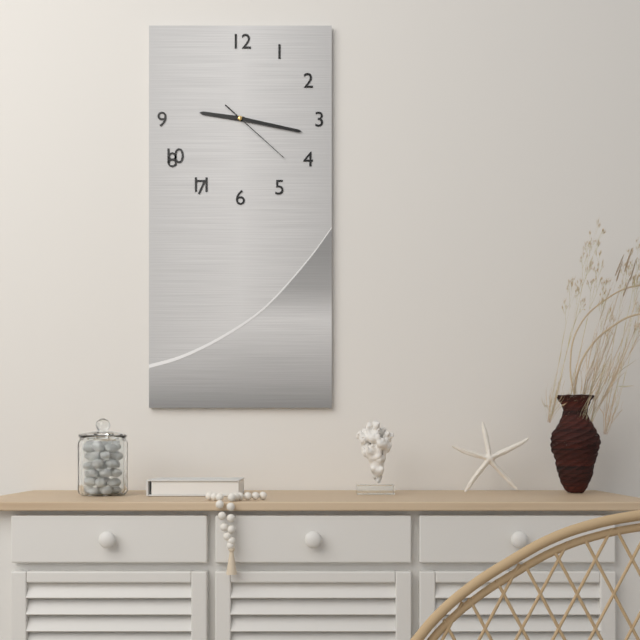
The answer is 9:17:22
